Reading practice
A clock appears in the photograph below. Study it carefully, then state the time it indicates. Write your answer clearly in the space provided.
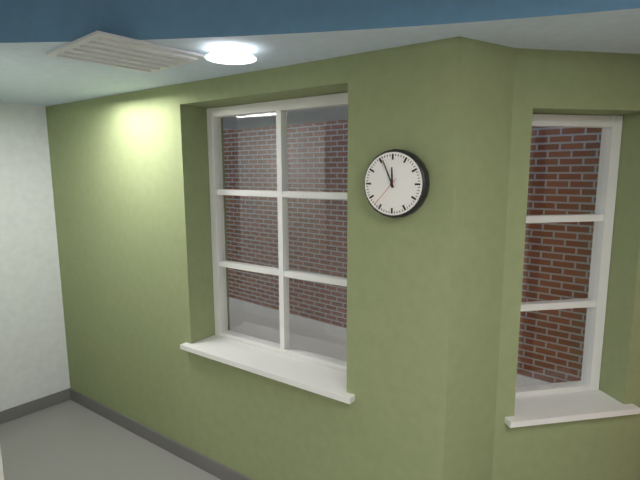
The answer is 11:56
